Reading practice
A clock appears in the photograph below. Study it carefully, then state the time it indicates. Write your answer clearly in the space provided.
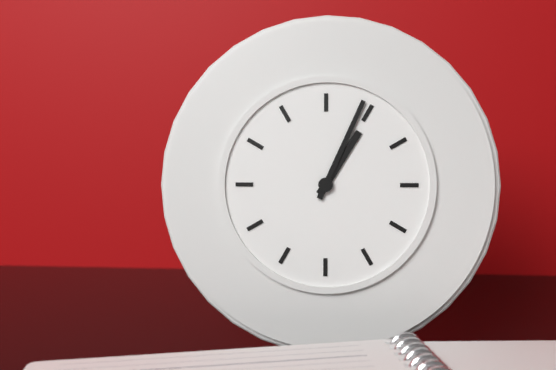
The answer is 1:04
